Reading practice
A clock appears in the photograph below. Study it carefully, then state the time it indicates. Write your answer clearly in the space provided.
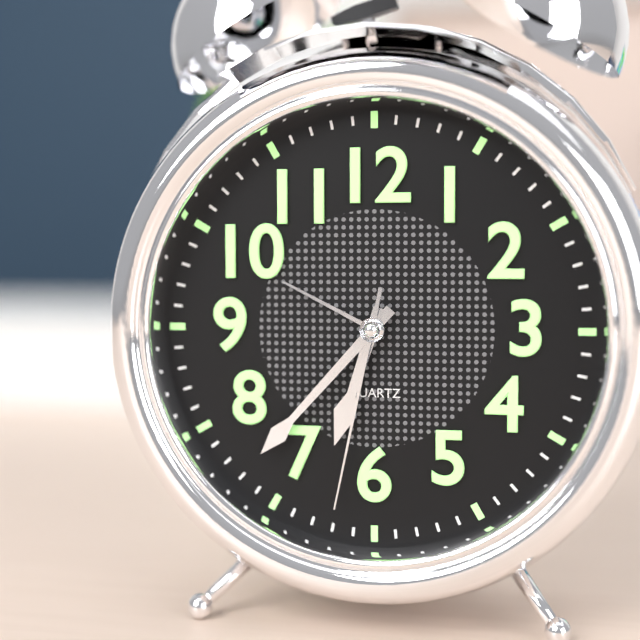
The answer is 6:37:32
